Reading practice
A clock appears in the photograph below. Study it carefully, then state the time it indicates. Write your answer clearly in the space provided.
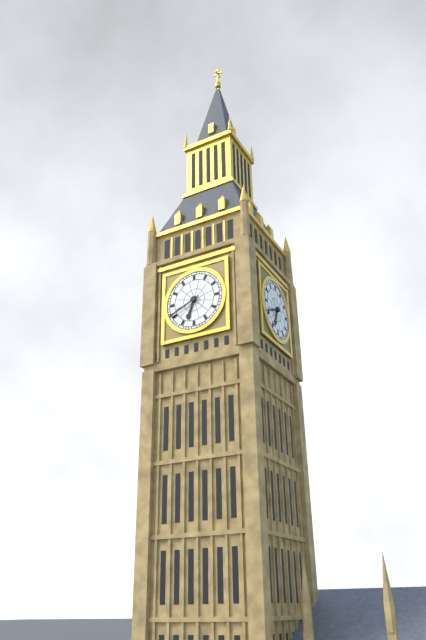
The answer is 6:41
